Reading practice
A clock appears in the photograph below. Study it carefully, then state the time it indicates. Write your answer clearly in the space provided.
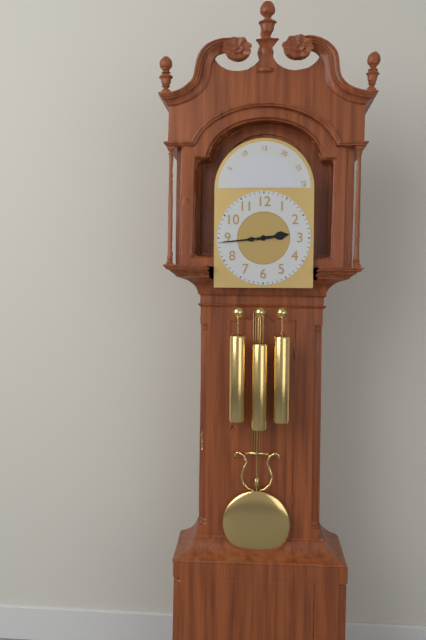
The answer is 2:44
